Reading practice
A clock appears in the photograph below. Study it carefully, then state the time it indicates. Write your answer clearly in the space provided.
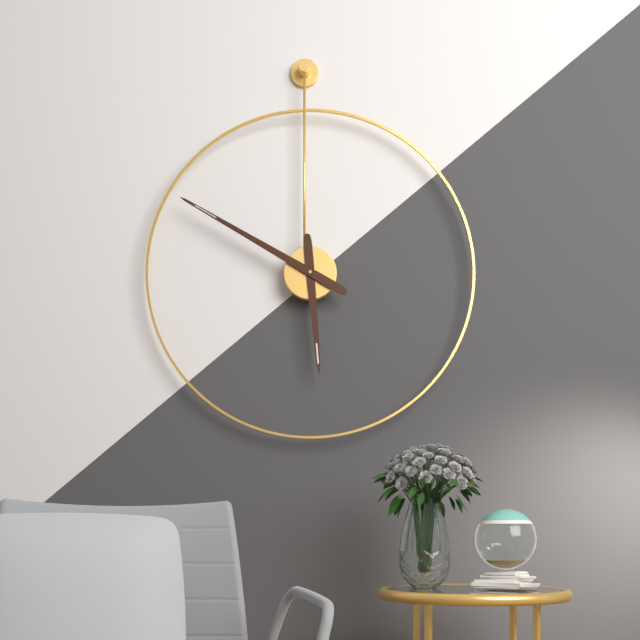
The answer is 5:50
